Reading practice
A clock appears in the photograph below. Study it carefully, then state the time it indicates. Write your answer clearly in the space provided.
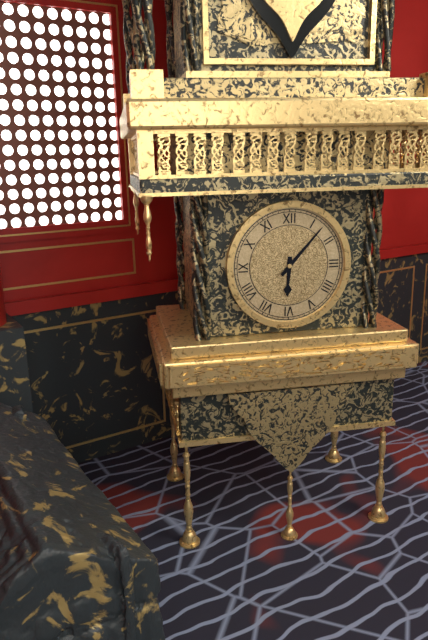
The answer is 6:07
